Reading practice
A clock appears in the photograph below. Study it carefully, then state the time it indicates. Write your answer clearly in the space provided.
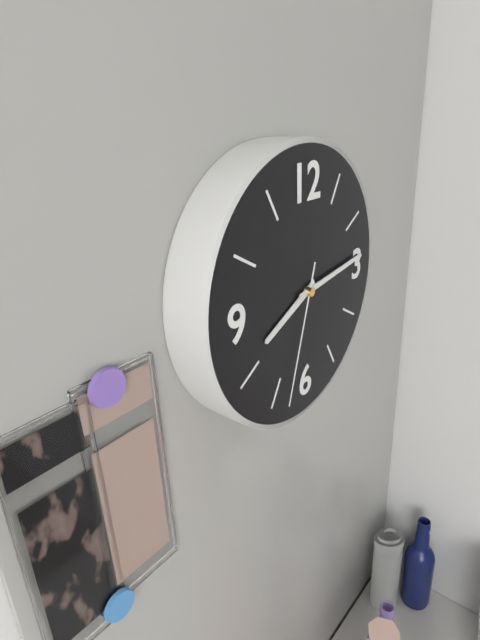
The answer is 8:14:33
